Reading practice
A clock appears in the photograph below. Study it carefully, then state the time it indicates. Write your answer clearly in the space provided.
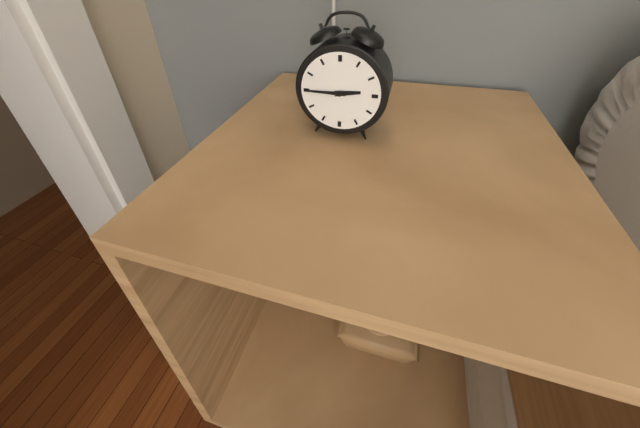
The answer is 2:45
